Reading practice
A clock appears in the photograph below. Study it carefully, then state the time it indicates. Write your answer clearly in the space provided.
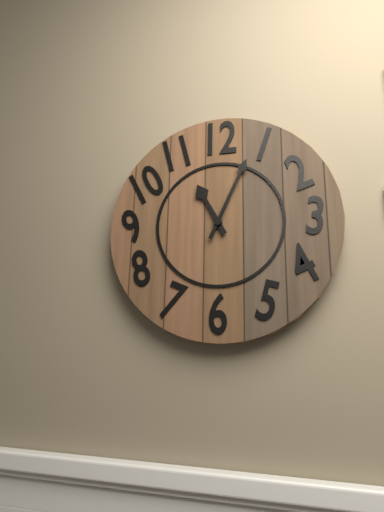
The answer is 11:04
